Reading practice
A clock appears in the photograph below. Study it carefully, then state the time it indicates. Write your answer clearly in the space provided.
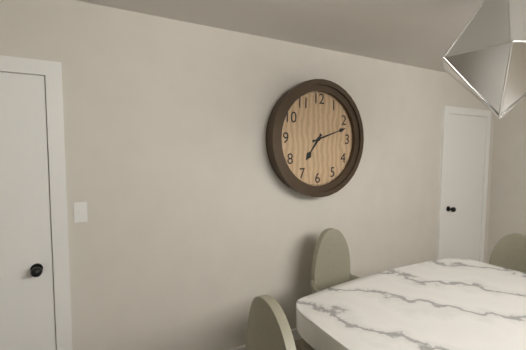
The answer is 7:12
